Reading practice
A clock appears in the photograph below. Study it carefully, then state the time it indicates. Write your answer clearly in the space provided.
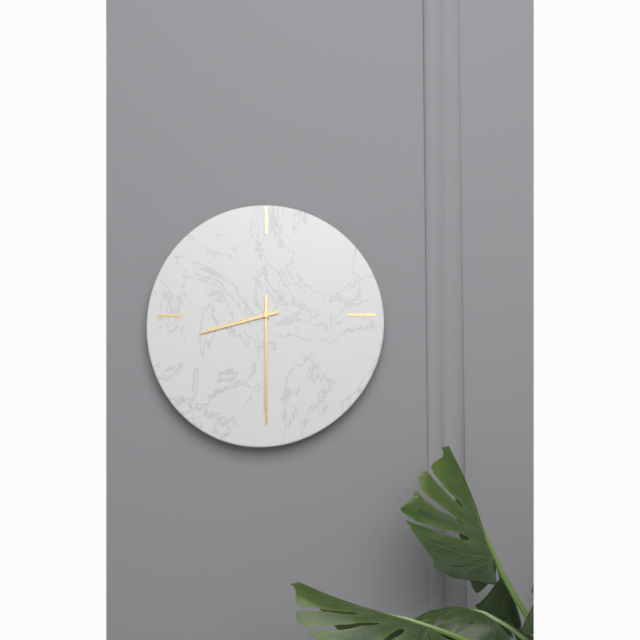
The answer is 8:30
